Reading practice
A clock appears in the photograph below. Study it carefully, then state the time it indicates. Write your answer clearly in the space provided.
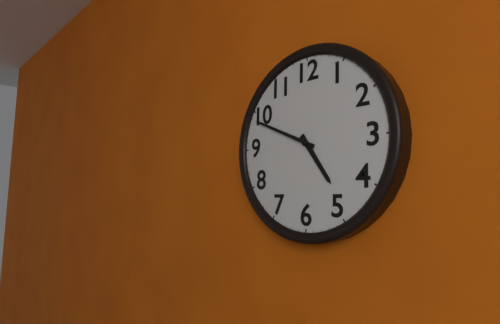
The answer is 4:49
